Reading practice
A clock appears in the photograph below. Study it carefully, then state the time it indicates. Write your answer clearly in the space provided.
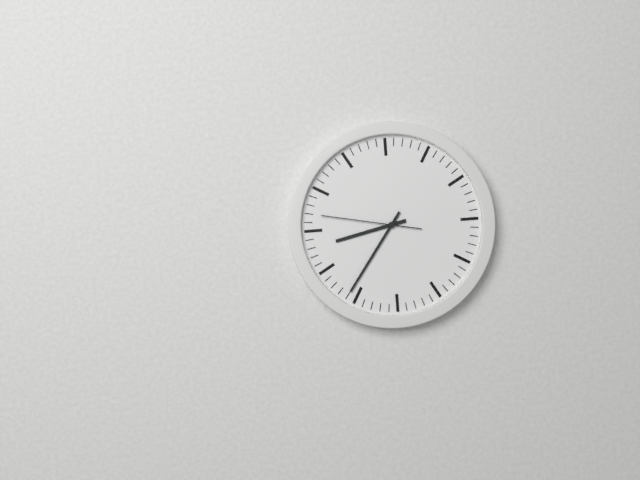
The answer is 8:36:47
